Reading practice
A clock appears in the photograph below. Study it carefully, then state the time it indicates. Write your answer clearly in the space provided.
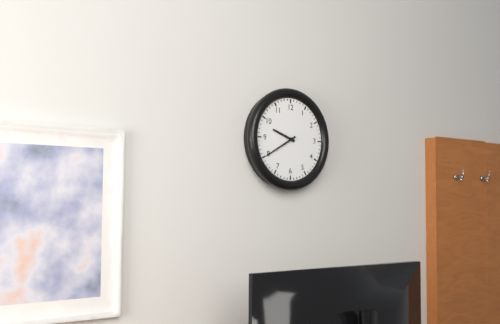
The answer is 9:40
